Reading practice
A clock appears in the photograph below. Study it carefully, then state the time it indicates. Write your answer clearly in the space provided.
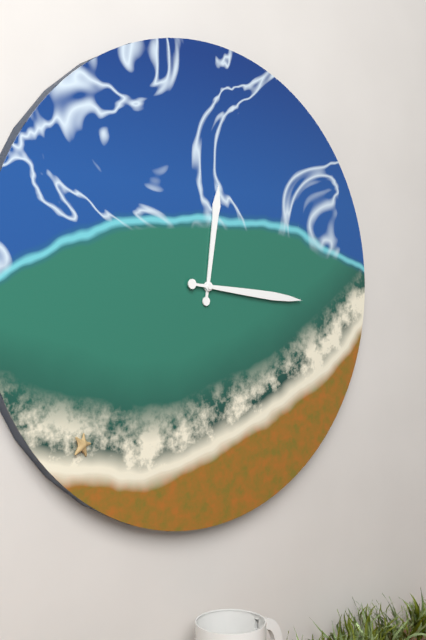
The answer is 12:16
